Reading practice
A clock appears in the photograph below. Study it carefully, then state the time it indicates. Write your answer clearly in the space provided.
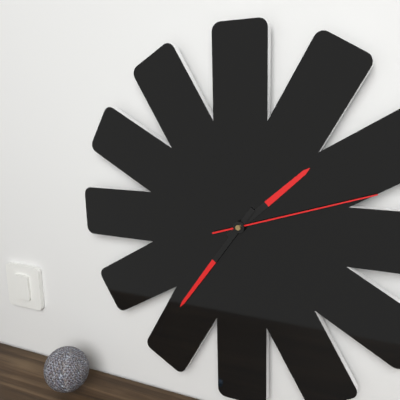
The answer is 1:36:12
